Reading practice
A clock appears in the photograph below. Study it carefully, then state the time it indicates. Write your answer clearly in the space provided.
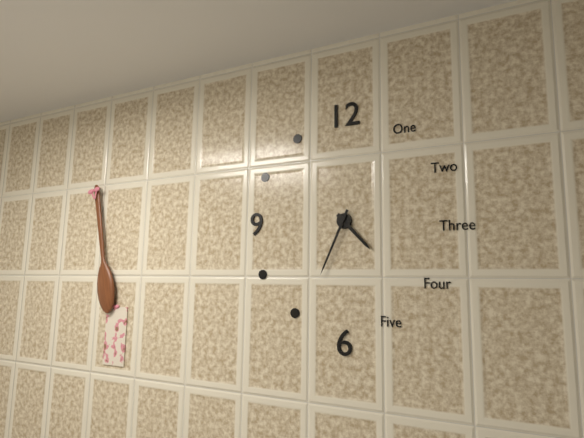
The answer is 4:34
